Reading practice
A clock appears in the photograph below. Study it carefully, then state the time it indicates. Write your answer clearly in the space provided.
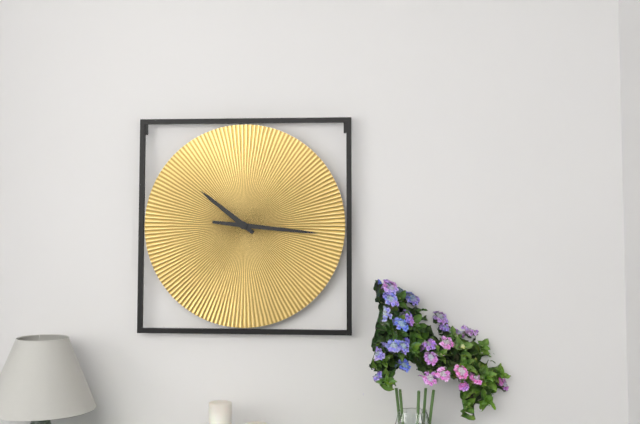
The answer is 10:16
